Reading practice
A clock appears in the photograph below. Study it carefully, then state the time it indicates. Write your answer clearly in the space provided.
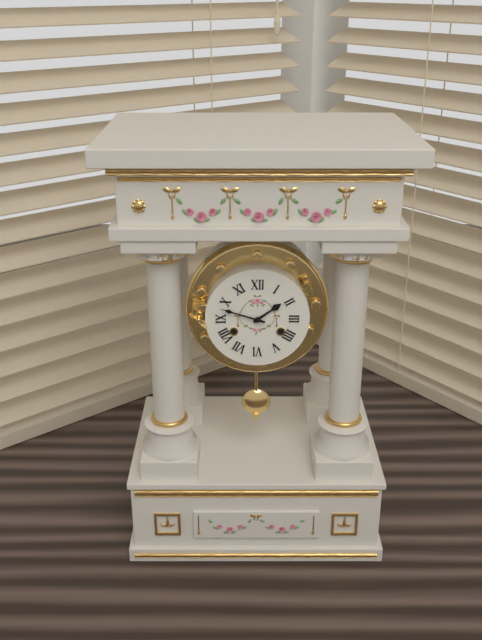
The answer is 1:48
